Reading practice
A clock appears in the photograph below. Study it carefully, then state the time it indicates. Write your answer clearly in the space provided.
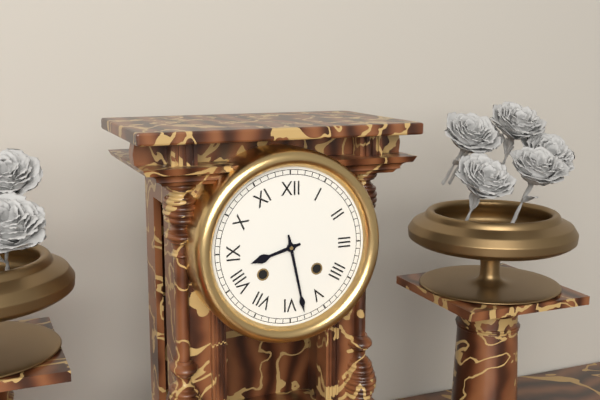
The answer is 8:28
